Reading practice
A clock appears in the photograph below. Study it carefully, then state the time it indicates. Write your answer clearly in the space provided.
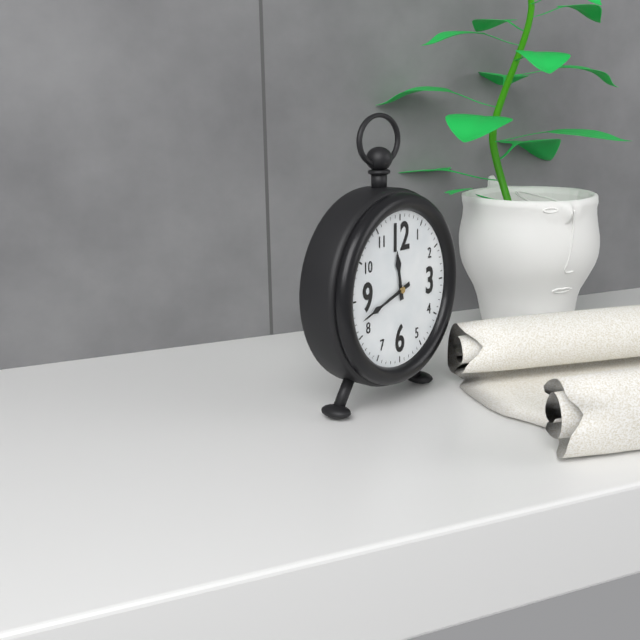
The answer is 11:42
